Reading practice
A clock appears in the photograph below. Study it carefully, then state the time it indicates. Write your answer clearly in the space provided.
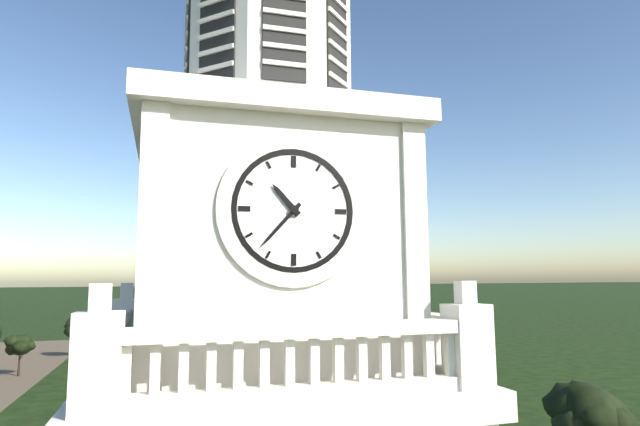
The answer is 10:37
